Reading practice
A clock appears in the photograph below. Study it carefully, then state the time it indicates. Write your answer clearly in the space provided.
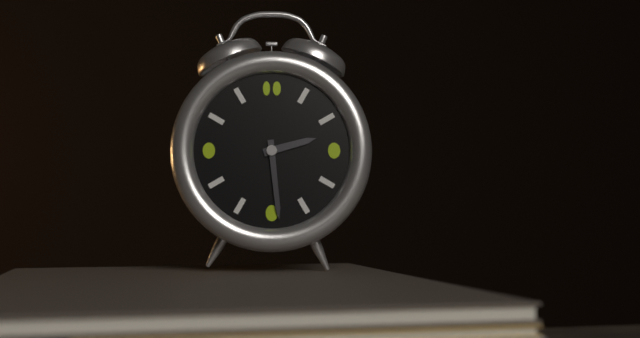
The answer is 2:29
